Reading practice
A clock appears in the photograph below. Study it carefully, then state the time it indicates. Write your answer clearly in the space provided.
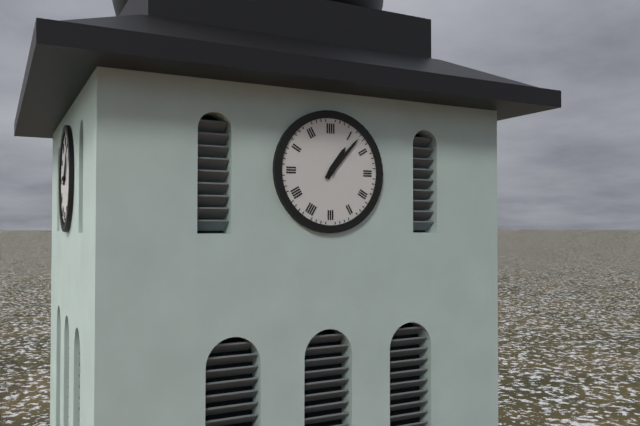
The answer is 1:07
